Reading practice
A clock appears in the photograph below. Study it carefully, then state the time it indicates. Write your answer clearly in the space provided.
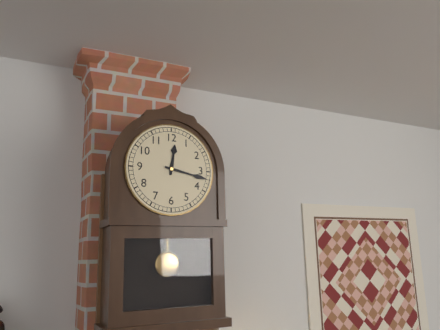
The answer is 12:17
